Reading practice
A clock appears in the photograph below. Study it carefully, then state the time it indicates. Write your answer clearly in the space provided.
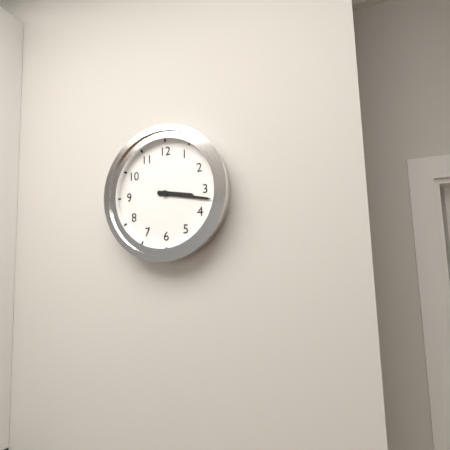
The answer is 3:17
